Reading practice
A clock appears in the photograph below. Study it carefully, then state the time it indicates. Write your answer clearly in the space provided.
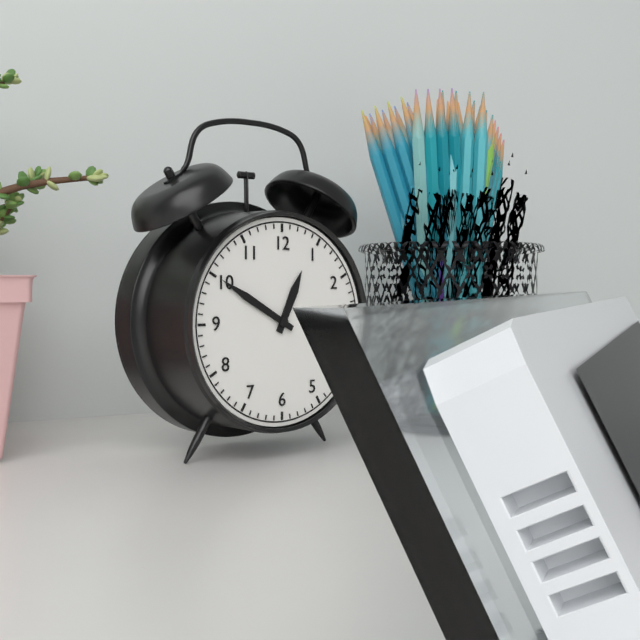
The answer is 12:50
